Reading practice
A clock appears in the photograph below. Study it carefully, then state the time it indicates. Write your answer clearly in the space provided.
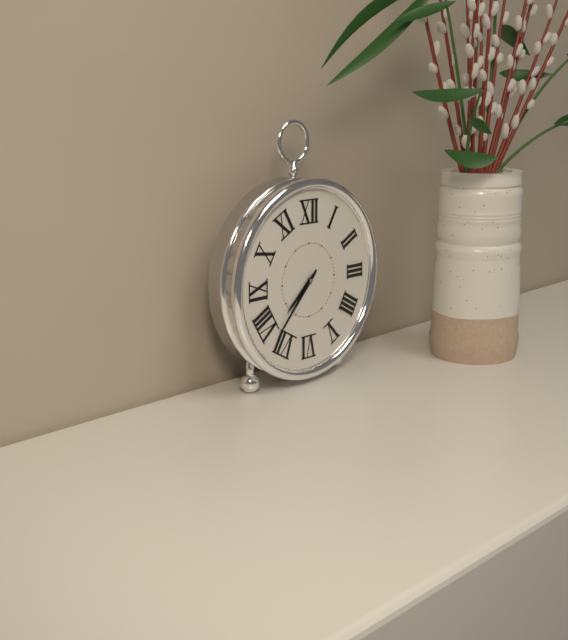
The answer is 7:37
